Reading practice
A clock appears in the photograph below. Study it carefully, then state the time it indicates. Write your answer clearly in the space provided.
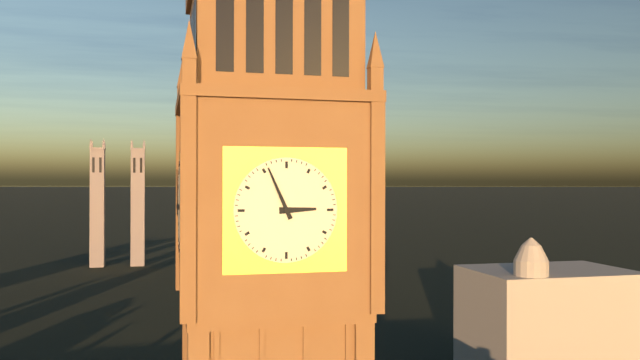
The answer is 2:56
